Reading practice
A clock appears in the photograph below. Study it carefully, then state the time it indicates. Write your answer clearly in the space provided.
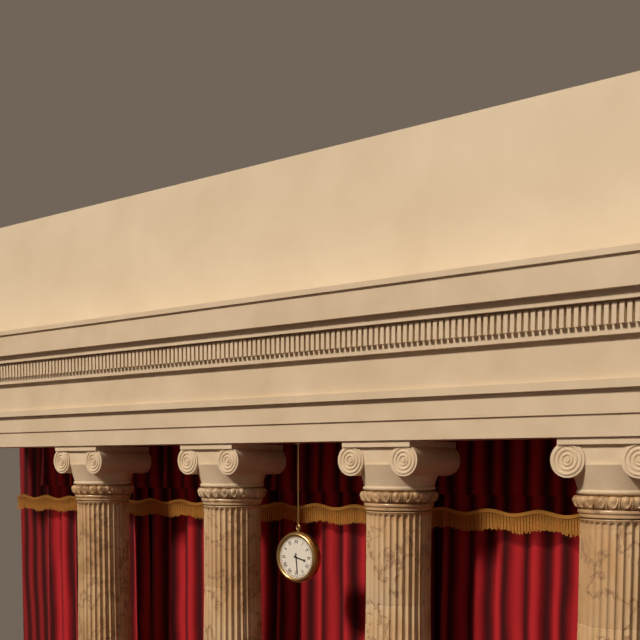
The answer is 3:29
